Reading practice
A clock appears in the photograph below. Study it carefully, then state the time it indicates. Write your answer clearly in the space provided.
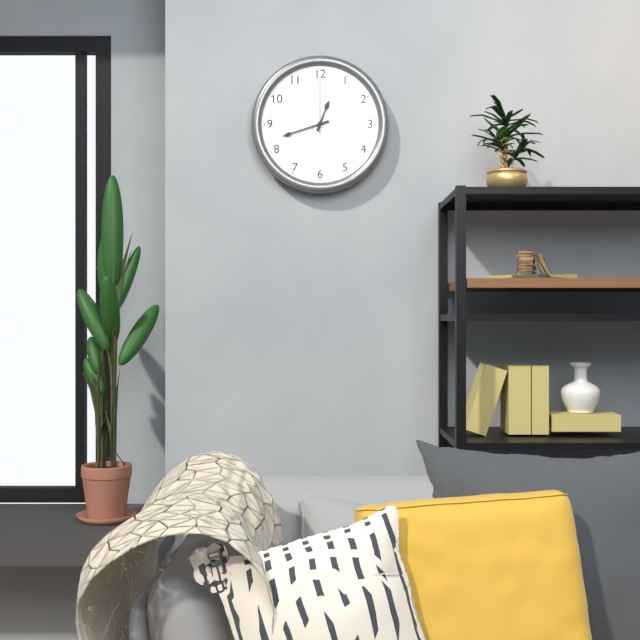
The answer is 12:42:00
